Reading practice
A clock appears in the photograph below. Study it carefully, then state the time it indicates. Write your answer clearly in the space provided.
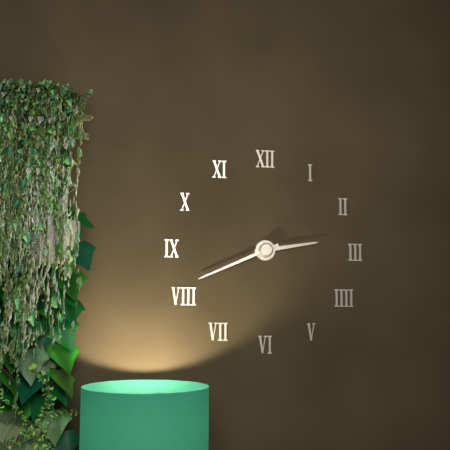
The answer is 2:41
